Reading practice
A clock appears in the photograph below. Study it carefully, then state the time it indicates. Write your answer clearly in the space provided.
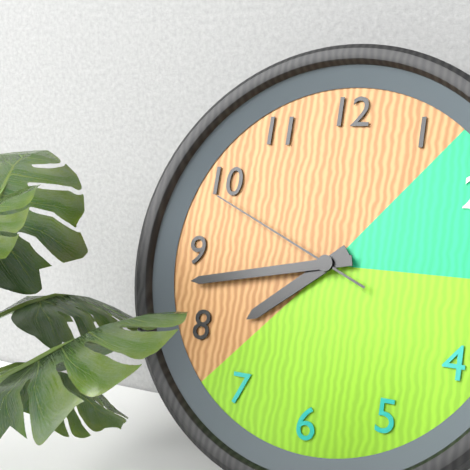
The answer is 7:43:49
